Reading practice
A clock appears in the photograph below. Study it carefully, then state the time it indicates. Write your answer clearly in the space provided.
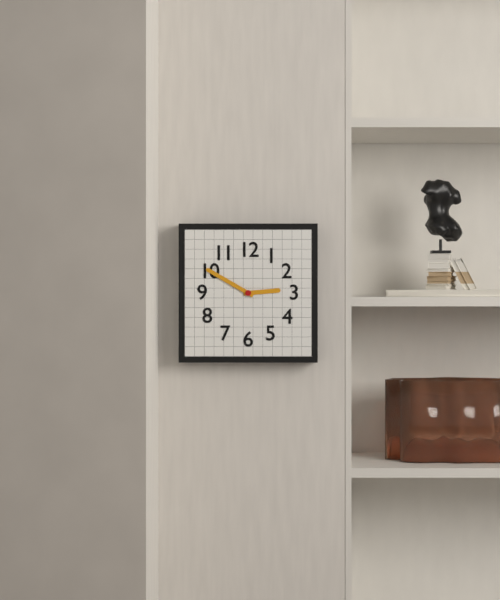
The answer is 2:50
